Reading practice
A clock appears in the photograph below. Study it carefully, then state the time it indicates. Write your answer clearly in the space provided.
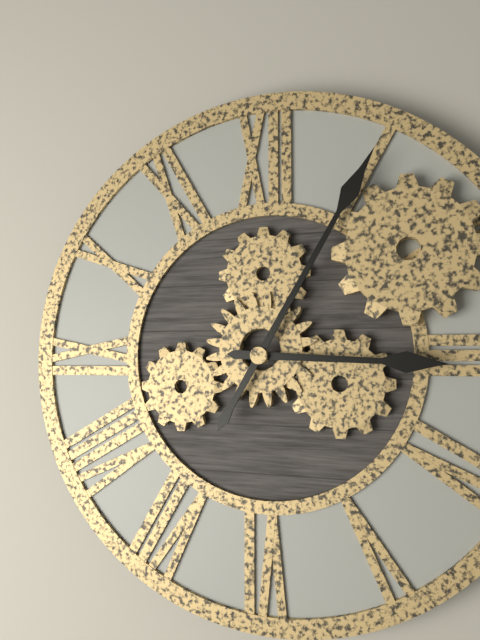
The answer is 3:05
